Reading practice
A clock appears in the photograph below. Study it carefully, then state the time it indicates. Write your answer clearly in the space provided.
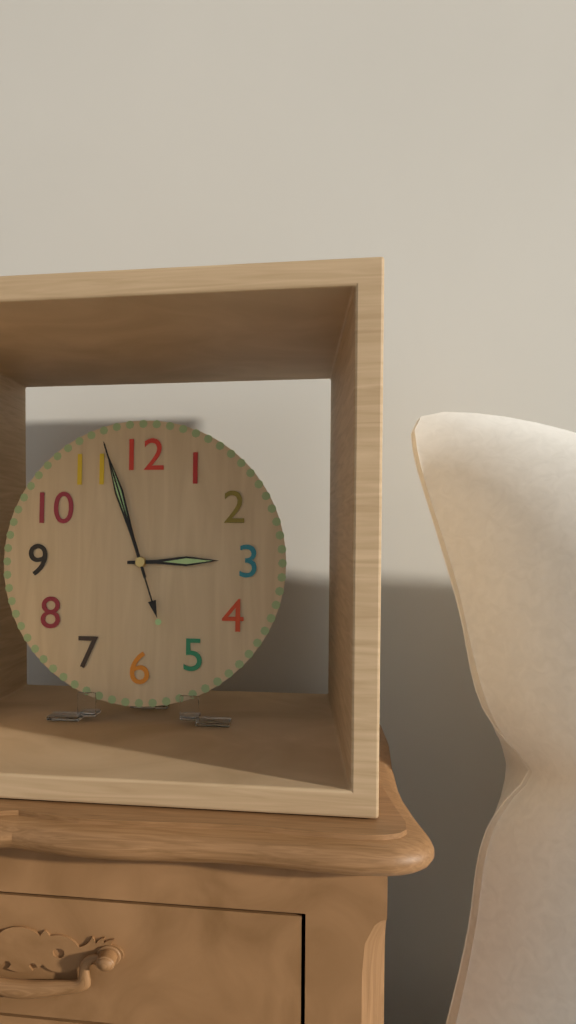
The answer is 2:57:57
